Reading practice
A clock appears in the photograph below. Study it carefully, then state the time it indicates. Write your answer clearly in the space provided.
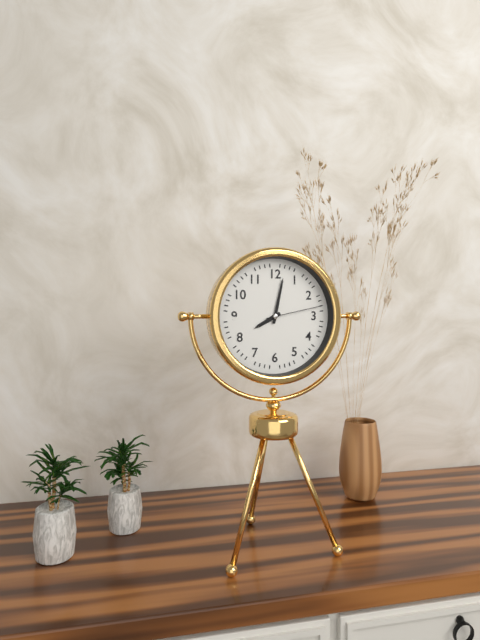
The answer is 8:02:13
